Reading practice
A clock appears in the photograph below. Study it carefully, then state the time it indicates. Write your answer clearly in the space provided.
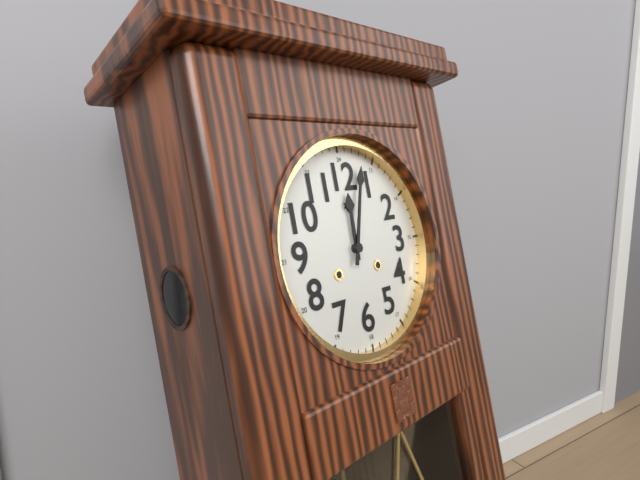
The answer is 12:03
